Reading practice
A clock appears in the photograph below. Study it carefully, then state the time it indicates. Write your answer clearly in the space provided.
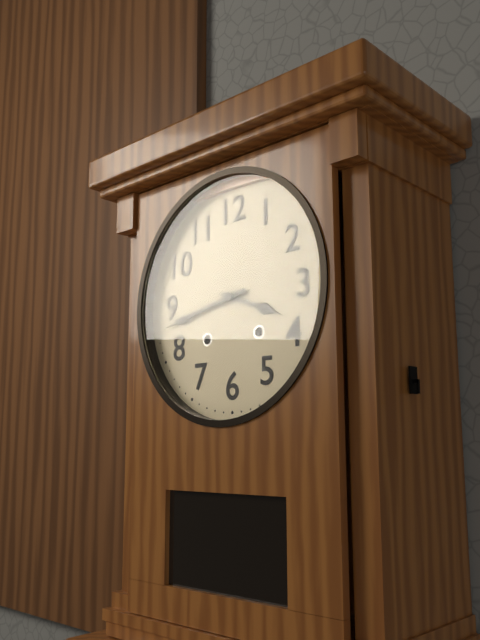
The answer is 3:43
